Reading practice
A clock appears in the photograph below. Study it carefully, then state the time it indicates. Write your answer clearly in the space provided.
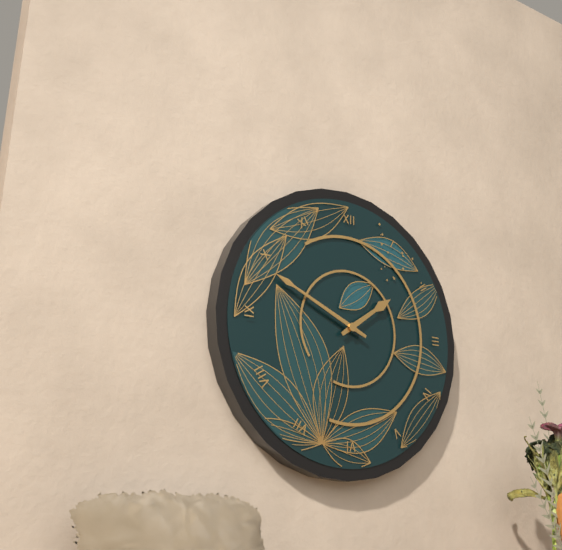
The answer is 1:49
